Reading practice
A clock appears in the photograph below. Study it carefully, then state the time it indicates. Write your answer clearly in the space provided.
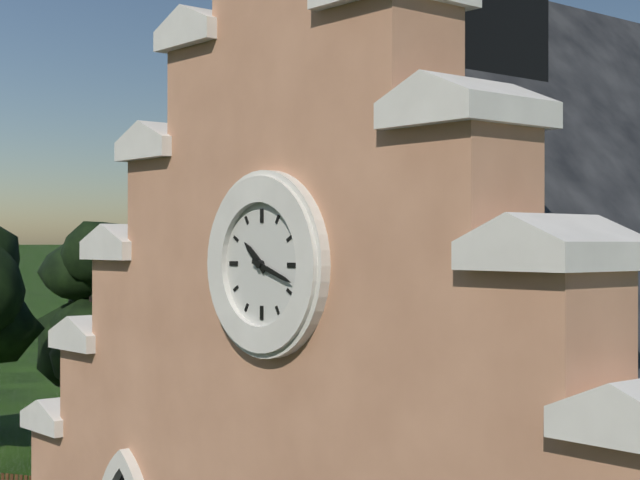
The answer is 10:18
